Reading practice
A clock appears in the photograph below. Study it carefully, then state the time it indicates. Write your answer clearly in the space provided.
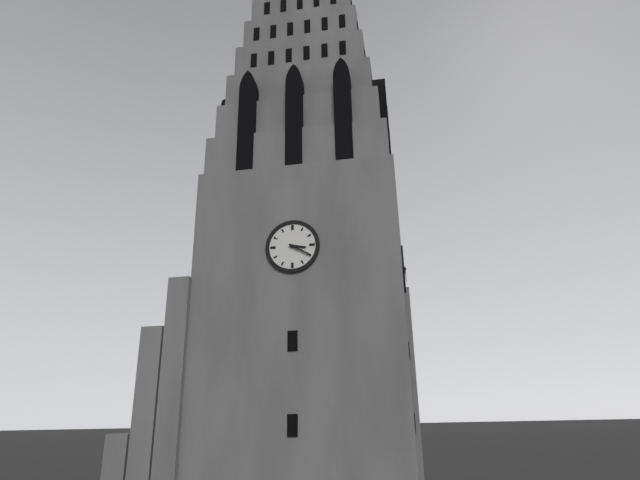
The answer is 3:20
